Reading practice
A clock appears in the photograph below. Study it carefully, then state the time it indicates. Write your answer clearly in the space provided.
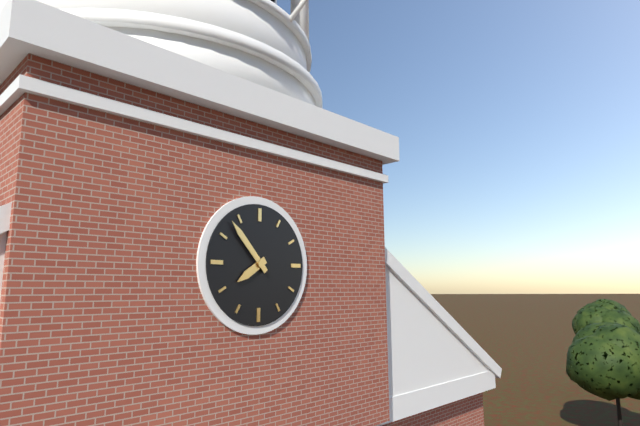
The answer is 7:53
